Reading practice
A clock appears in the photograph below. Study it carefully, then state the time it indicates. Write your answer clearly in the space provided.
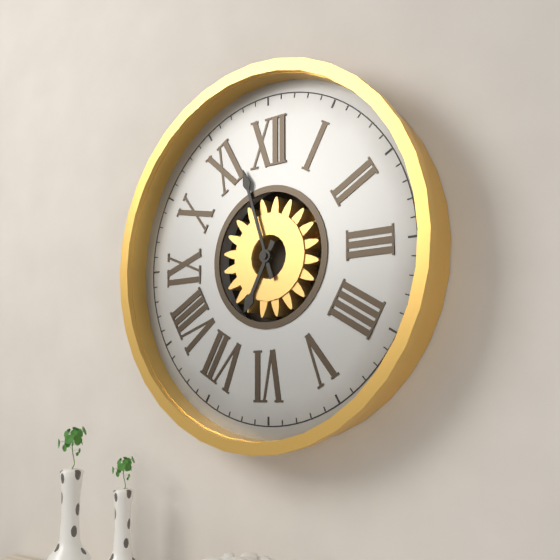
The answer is 6:57
